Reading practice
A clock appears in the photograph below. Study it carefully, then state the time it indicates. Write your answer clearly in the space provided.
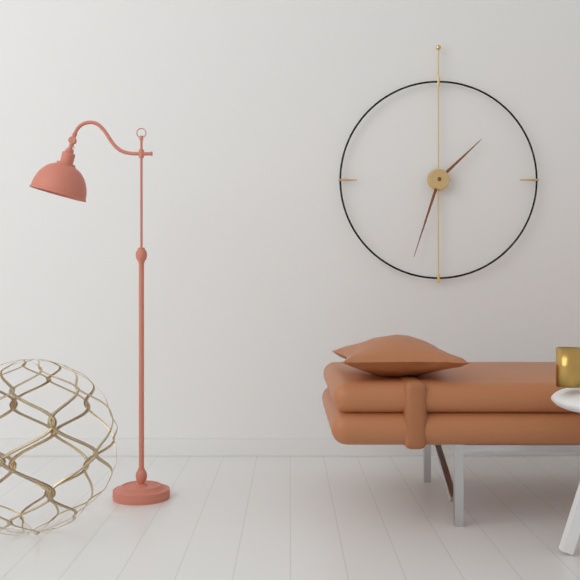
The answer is 1:33
